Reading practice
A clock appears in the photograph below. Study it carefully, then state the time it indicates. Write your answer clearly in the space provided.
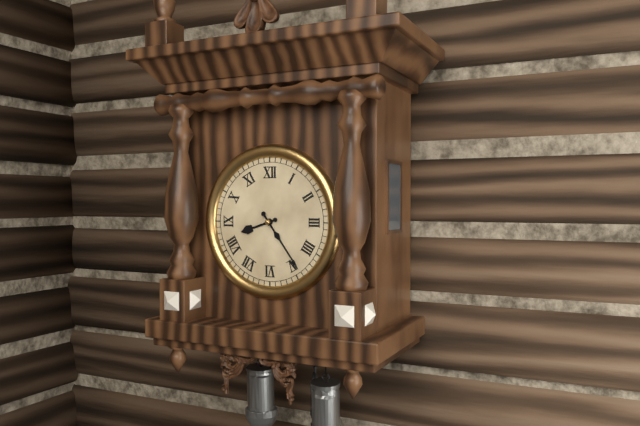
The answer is 8:24
